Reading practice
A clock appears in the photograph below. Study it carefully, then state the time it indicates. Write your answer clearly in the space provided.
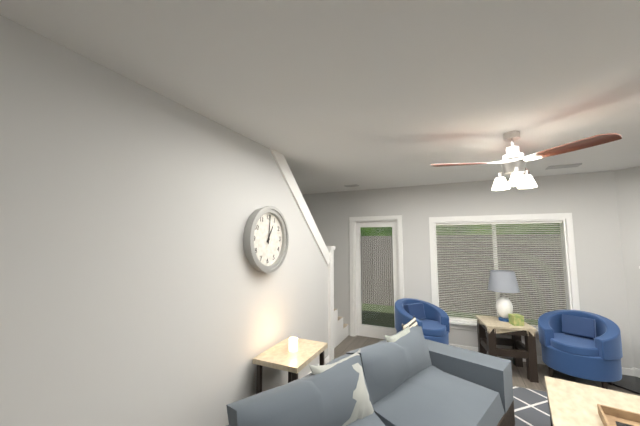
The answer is 1:01
